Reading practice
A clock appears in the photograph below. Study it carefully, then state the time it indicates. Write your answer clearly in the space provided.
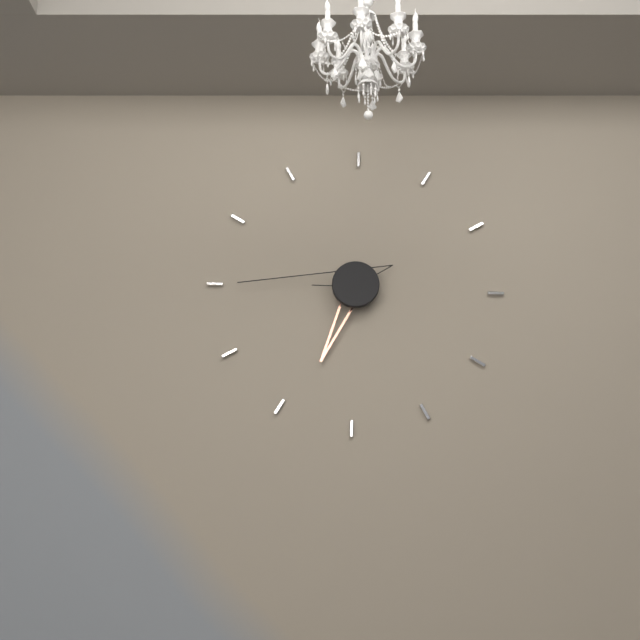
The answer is 6:45
